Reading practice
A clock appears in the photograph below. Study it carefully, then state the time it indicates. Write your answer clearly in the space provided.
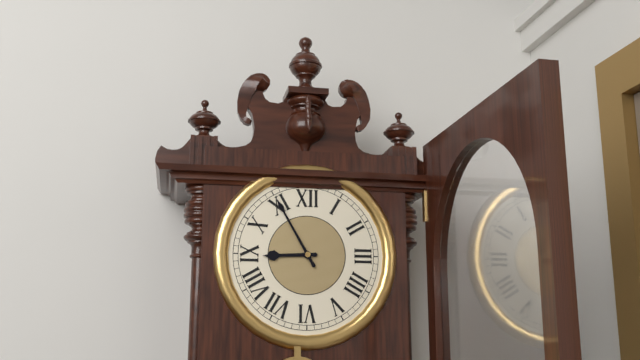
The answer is 8:55
